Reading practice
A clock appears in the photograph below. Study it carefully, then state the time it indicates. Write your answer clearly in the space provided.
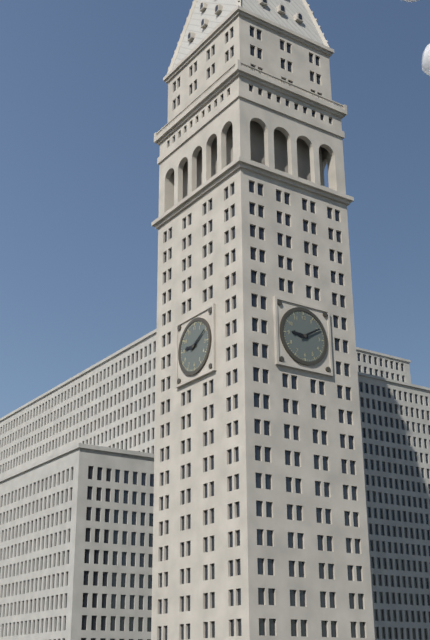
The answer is 9:10
